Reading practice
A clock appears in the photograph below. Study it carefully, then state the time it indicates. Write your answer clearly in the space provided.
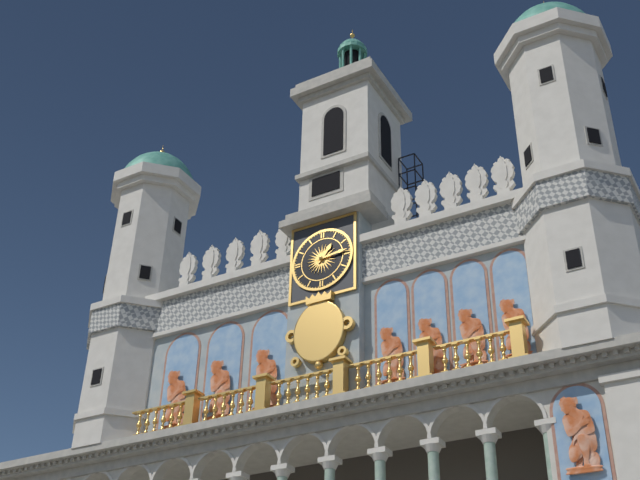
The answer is 1:14
